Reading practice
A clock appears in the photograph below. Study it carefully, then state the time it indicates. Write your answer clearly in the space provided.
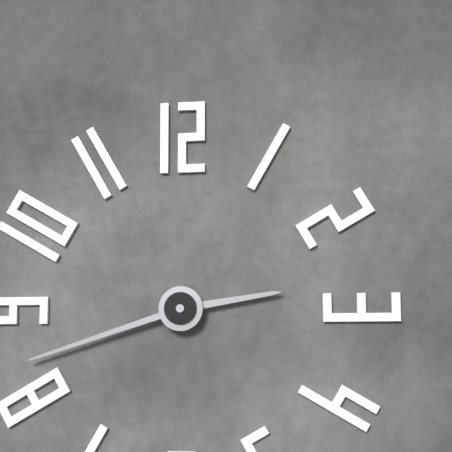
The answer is 2:42
